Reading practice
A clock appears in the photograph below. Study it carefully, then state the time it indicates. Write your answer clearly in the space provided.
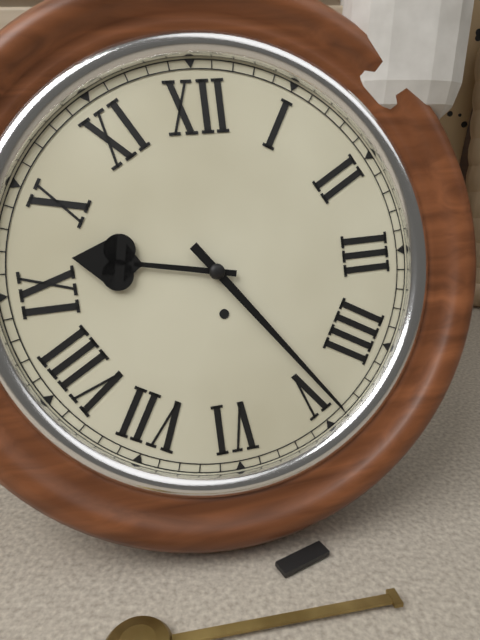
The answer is 9:24
